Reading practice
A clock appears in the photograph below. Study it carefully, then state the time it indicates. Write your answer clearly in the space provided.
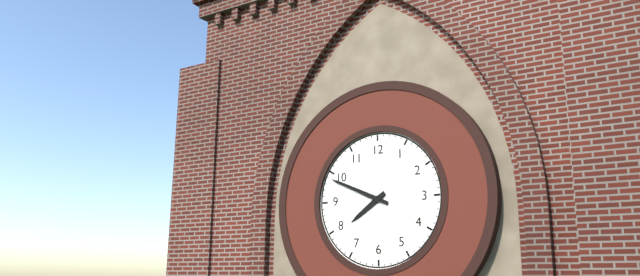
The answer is 7:49
